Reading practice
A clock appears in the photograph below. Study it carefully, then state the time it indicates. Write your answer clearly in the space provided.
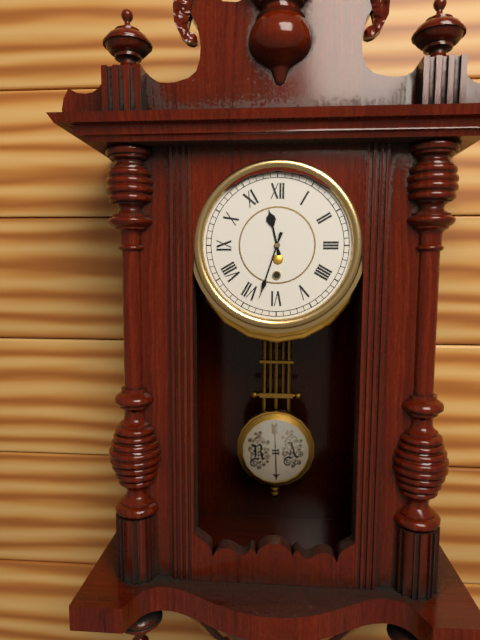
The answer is 11:33
